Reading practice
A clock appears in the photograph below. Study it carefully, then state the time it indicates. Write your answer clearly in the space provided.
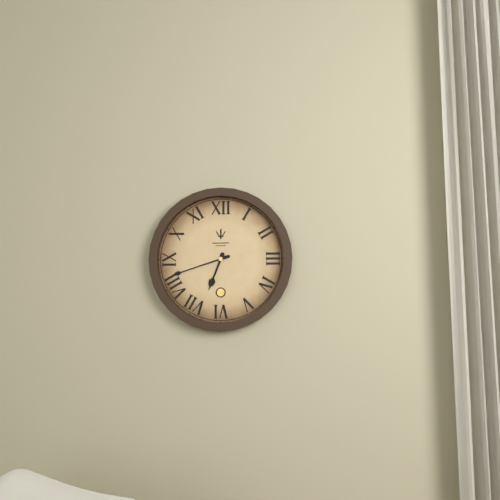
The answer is 6:42
